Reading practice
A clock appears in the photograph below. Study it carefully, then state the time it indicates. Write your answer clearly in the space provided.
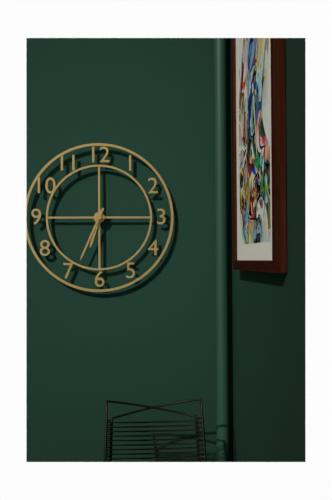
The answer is 6:34
